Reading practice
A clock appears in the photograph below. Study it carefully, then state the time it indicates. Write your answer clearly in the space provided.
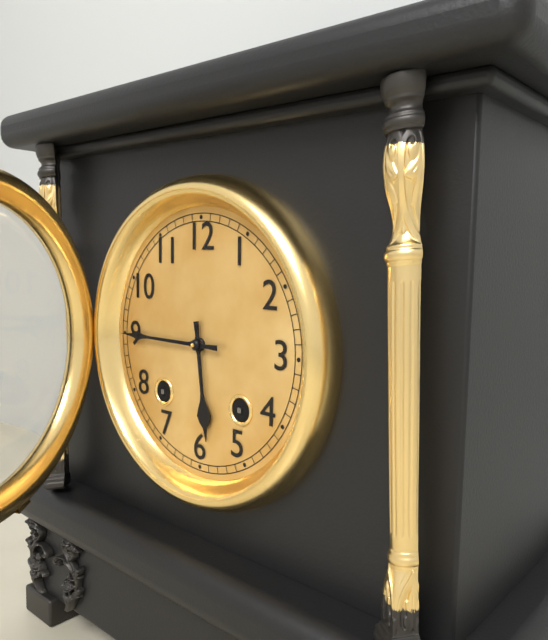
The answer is 5:45
